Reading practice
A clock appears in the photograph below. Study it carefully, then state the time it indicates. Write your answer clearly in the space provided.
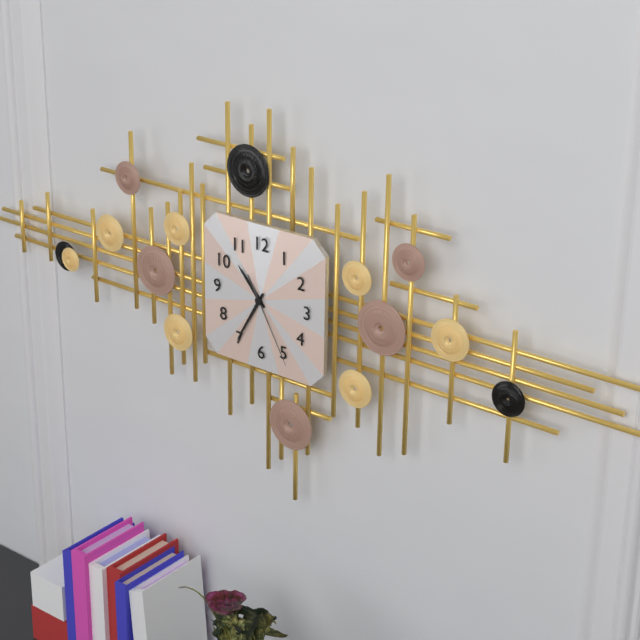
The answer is 10:35:25
